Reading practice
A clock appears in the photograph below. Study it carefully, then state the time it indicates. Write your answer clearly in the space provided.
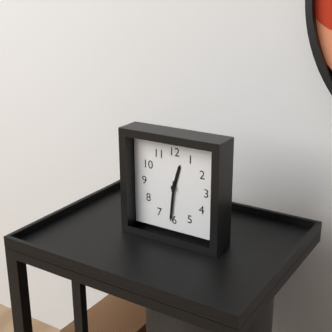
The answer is 12:31
